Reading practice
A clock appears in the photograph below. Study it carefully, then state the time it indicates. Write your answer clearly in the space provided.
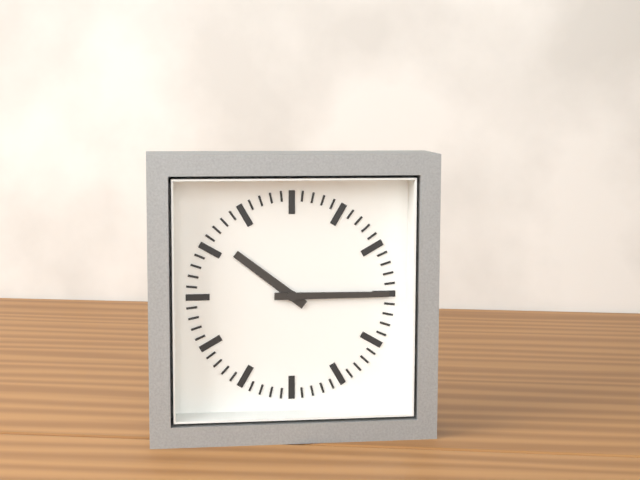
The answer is 10:15
